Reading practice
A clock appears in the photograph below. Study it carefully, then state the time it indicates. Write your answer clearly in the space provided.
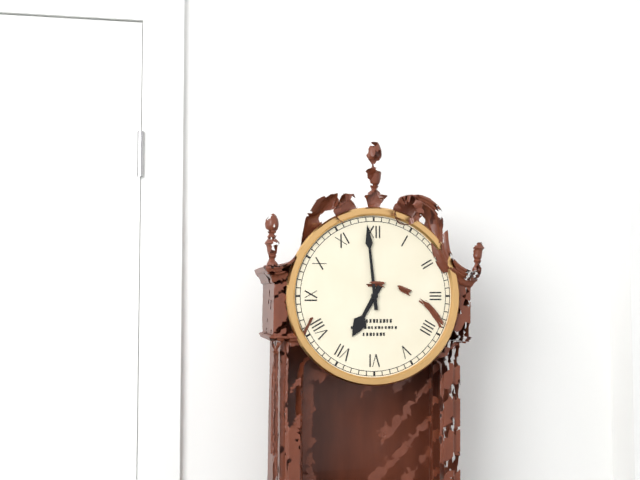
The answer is 6:59
